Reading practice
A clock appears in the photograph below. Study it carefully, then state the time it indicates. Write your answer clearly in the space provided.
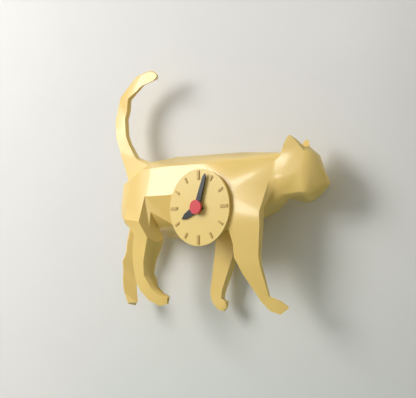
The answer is 8:03
